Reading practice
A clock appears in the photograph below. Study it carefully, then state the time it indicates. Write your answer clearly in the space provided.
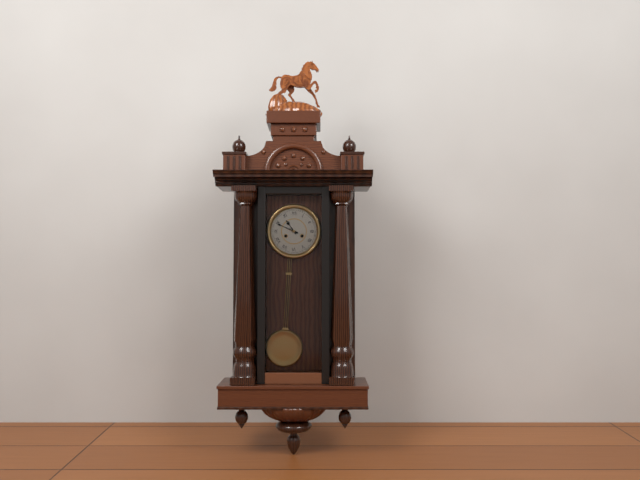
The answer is 10:49
